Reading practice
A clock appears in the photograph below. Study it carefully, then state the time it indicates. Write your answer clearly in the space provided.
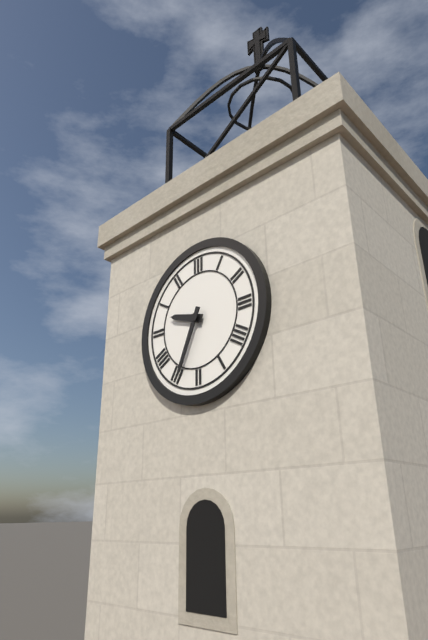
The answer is 9:34
